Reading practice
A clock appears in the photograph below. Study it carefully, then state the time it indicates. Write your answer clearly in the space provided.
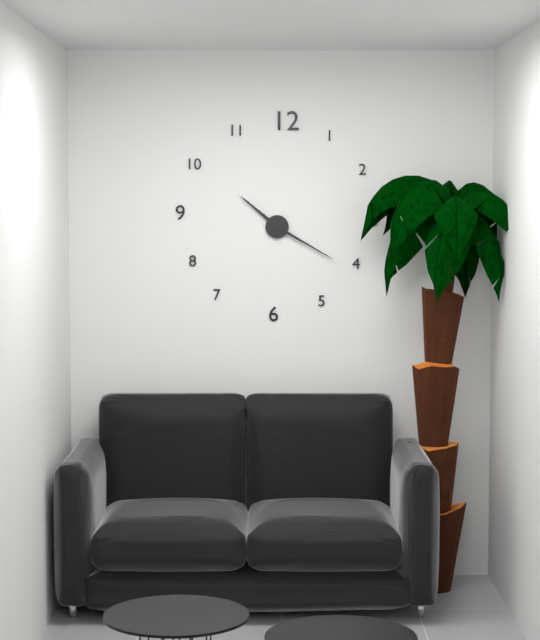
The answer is 10:20
